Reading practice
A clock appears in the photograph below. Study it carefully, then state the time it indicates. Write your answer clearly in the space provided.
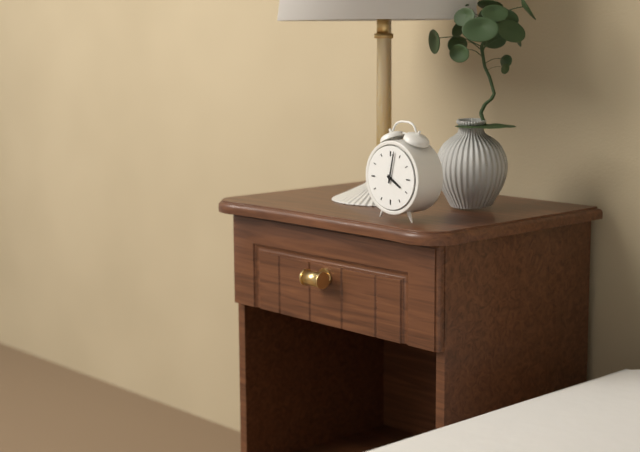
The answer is 4:02
